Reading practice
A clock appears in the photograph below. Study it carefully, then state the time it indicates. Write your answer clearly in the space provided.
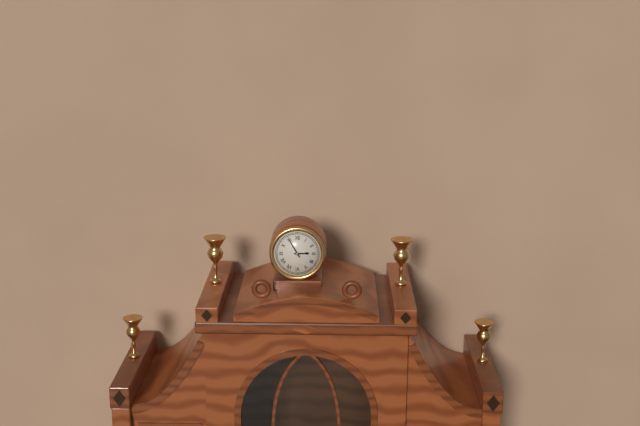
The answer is 2:55
